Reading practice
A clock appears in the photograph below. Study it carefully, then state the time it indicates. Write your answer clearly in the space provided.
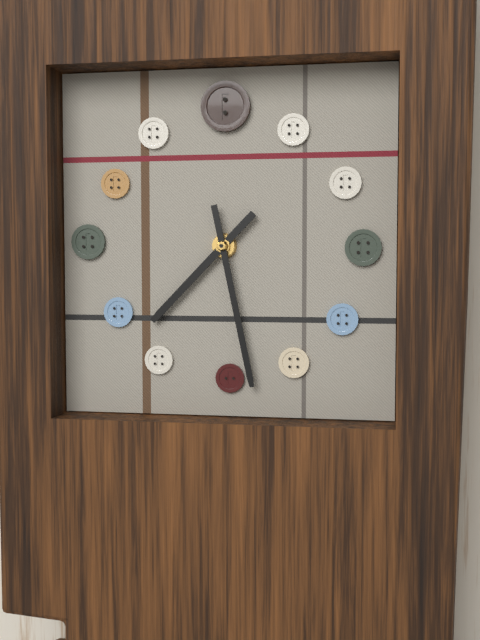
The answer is 7:28
